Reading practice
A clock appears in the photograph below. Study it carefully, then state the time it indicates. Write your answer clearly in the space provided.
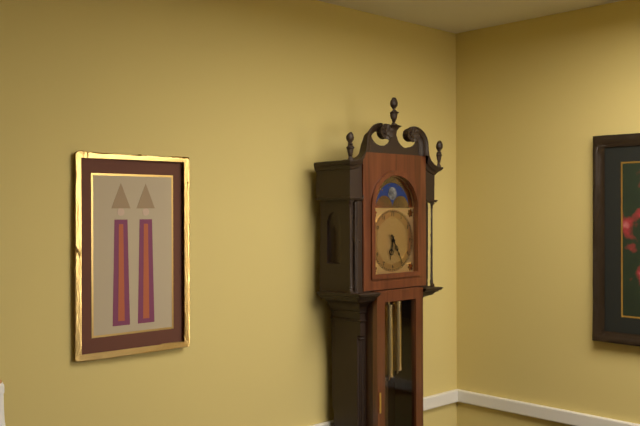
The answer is 6:25
